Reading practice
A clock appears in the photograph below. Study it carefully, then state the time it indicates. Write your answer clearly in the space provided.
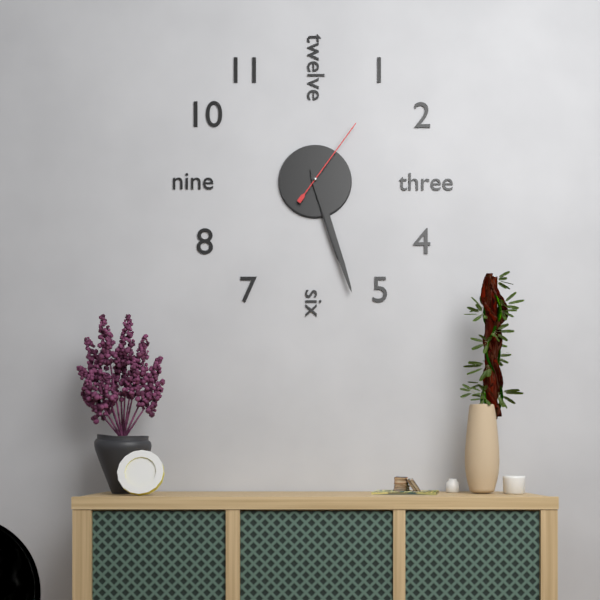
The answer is 5:27:06
